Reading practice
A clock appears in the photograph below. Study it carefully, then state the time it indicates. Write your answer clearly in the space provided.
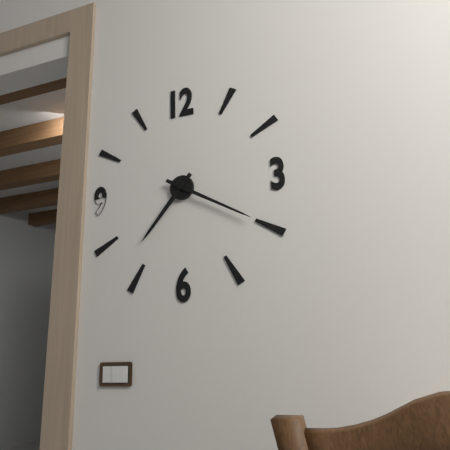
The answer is 7:20
